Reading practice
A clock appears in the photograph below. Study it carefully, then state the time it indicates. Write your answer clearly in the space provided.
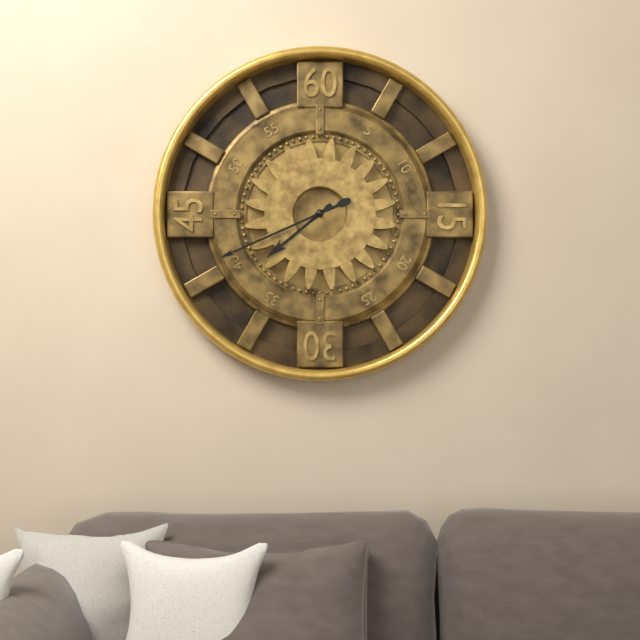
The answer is 7:41
